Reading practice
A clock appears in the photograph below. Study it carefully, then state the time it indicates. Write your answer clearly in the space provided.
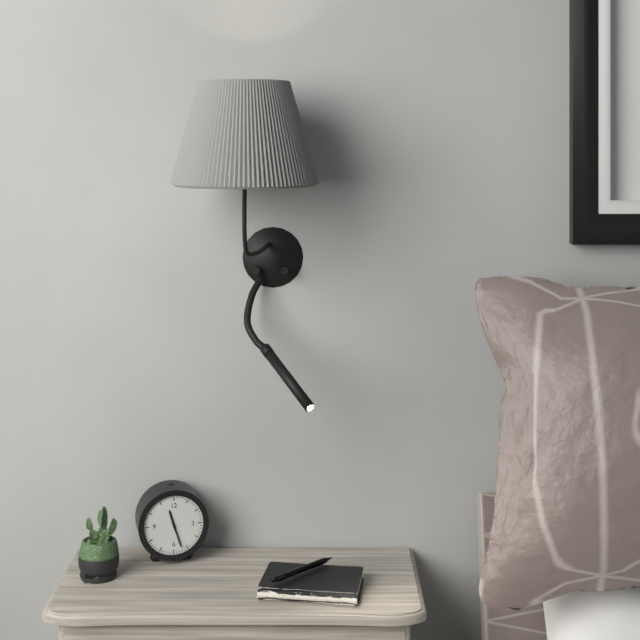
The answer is 11:27
